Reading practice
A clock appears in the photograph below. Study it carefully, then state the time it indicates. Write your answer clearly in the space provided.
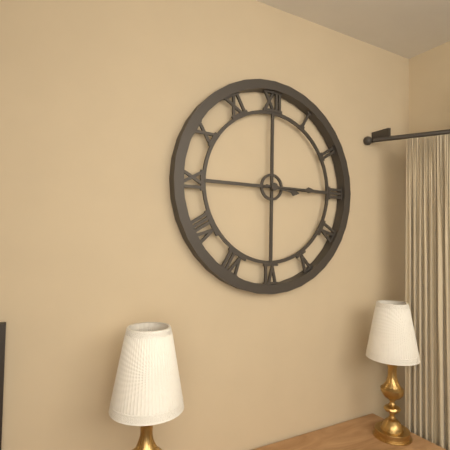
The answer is 3:15
